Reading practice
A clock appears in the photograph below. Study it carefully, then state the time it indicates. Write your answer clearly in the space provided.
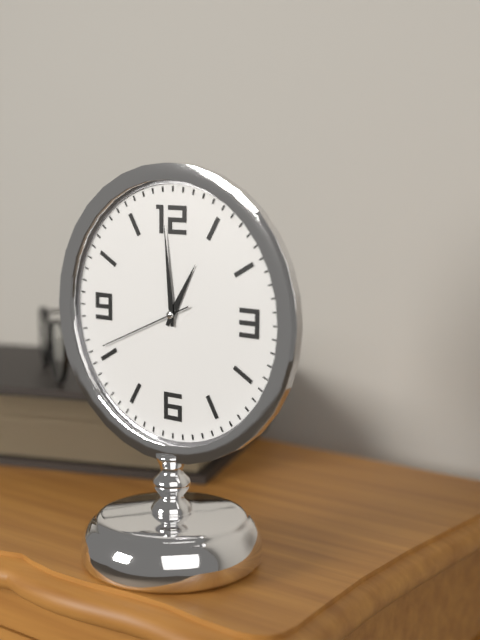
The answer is 12:59:41
